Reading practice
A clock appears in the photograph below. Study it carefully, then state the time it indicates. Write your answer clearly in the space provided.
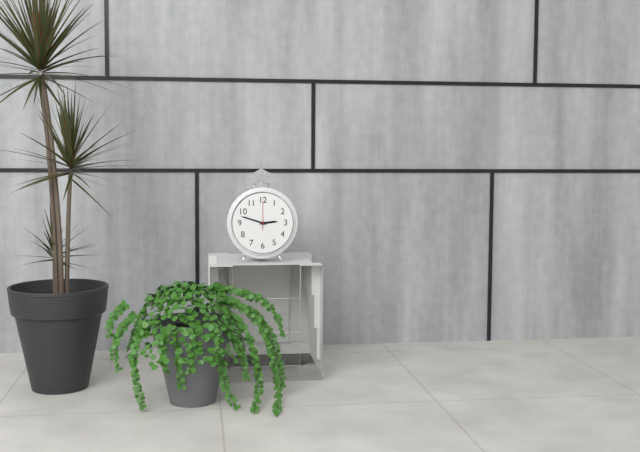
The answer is 2:48
